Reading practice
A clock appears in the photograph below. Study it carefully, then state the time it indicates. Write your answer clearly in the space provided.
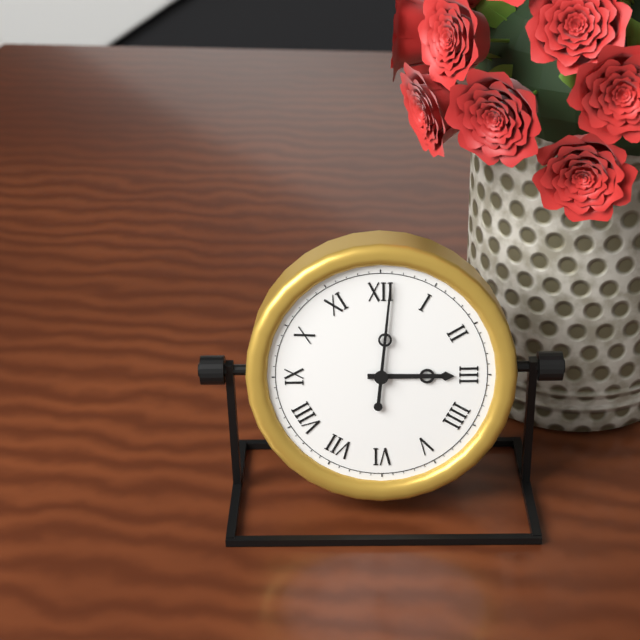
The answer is 3:01
